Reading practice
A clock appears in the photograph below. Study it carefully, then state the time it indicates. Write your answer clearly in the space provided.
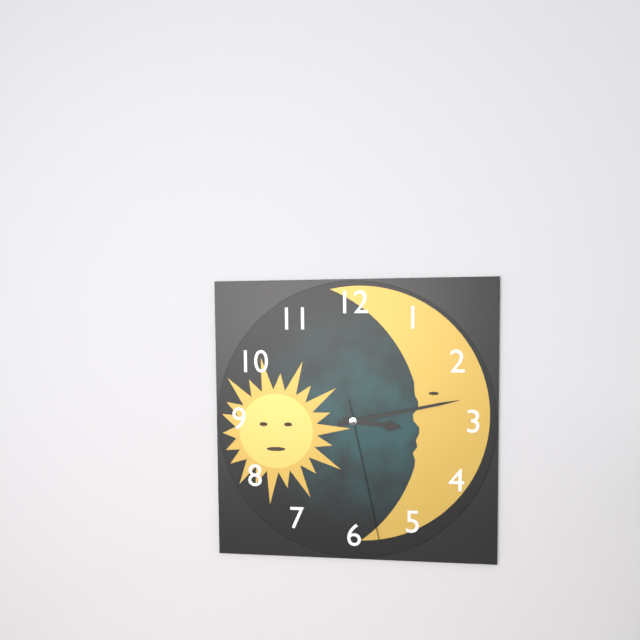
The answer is 3:13:28
